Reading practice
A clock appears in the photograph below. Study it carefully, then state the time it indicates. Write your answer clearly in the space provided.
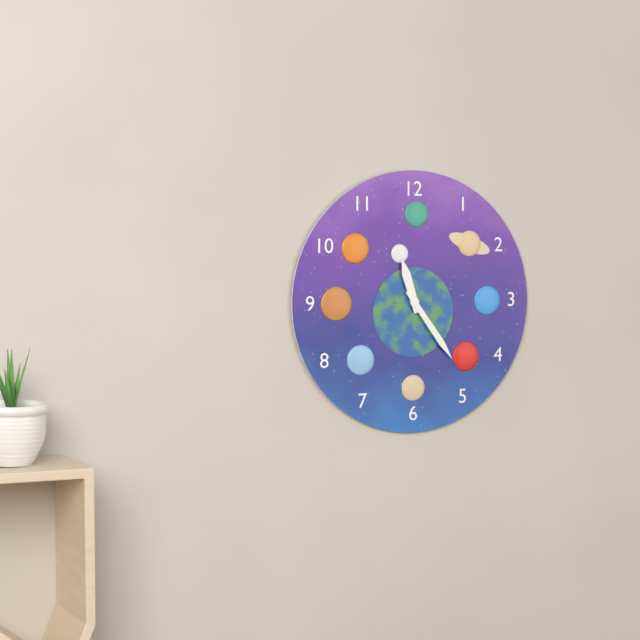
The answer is 11:24
